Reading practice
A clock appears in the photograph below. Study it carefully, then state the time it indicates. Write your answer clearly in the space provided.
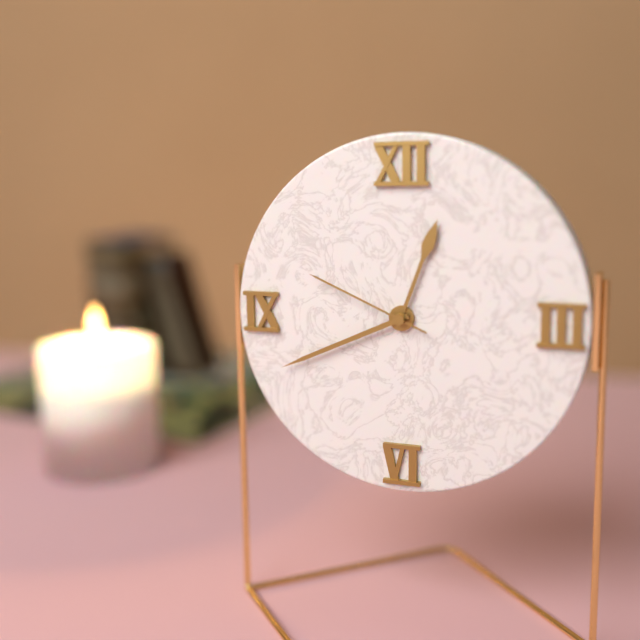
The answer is 12:41:49
